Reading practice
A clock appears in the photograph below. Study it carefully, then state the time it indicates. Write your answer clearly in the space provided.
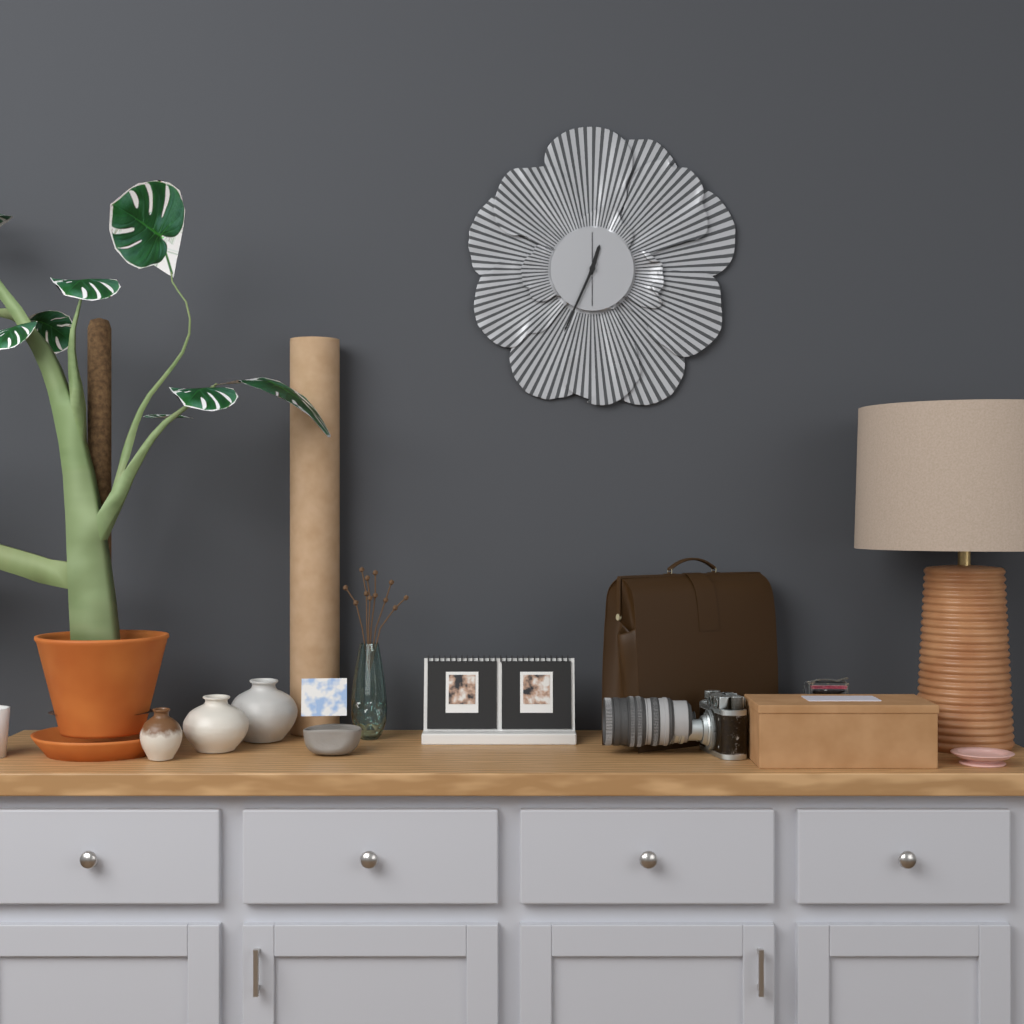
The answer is 12:34
